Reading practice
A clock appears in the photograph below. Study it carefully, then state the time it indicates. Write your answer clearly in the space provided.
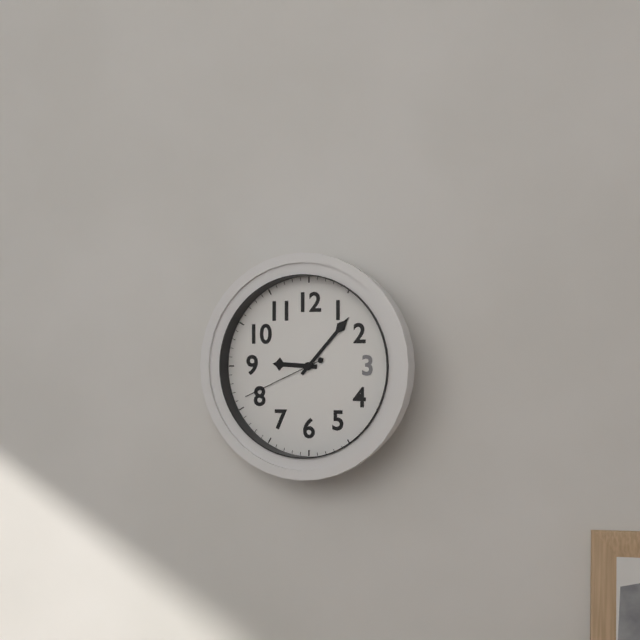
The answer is 9:07:41
